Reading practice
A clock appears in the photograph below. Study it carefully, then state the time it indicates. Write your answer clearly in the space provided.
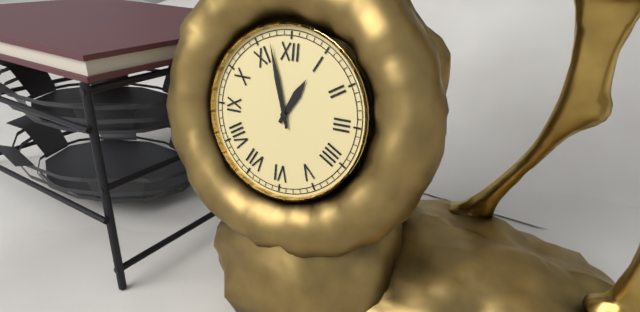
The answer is 12:57
